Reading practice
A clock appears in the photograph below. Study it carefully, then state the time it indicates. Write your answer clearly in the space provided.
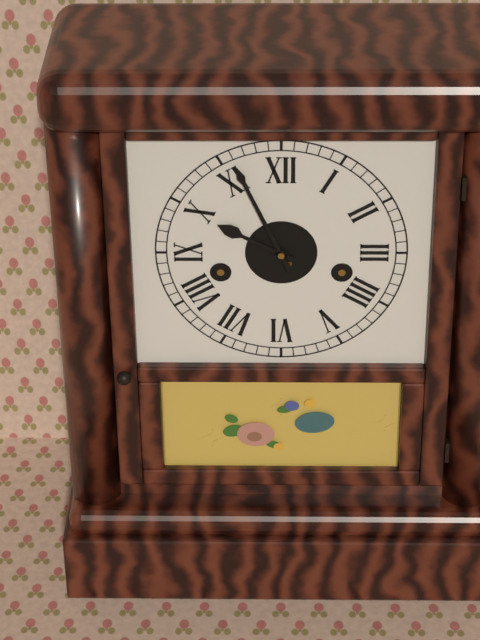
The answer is 9:56
